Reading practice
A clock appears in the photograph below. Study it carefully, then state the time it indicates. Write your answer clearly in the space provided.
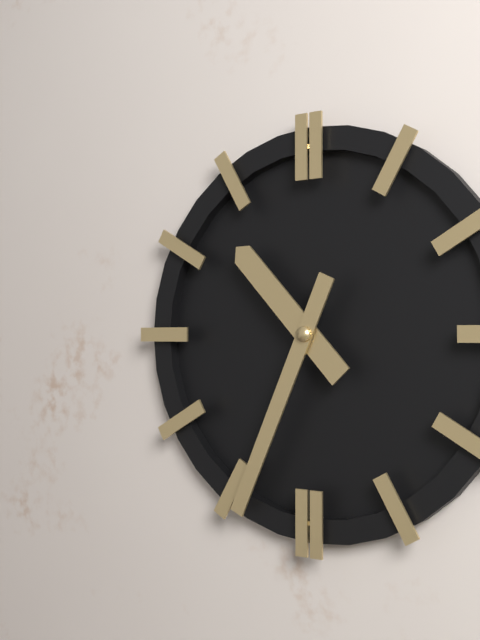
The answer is 10:34
